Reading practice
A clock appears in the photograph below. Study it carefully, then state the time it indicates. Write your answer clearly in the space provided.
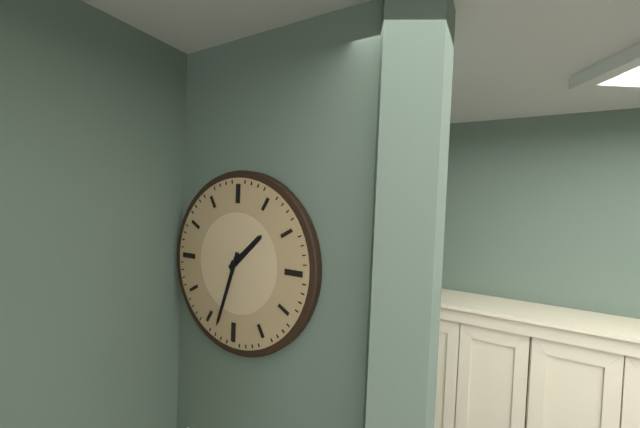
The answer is 1:33
